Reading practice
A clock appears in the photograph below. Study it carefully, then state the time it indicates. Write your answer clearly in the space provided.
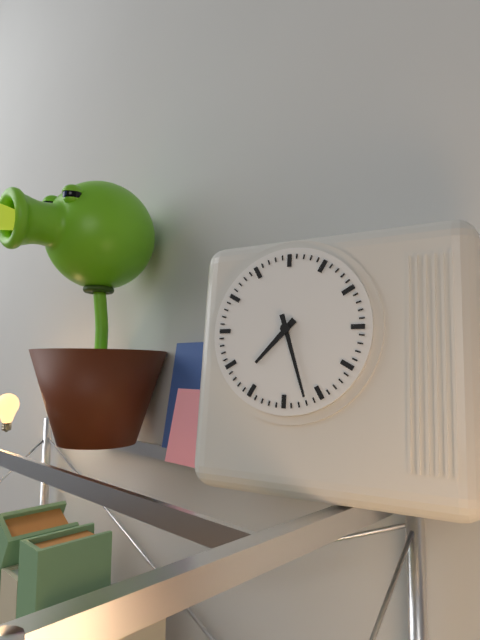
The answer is 7:27
